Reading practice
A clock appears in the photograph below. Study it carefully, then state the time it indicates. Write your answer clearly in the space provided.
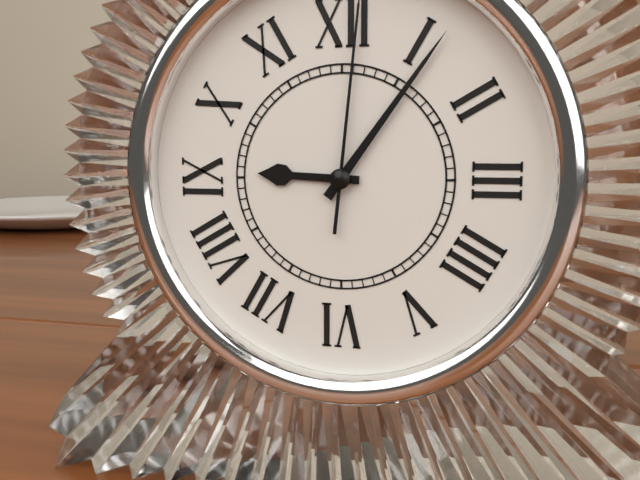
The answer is 9:06
